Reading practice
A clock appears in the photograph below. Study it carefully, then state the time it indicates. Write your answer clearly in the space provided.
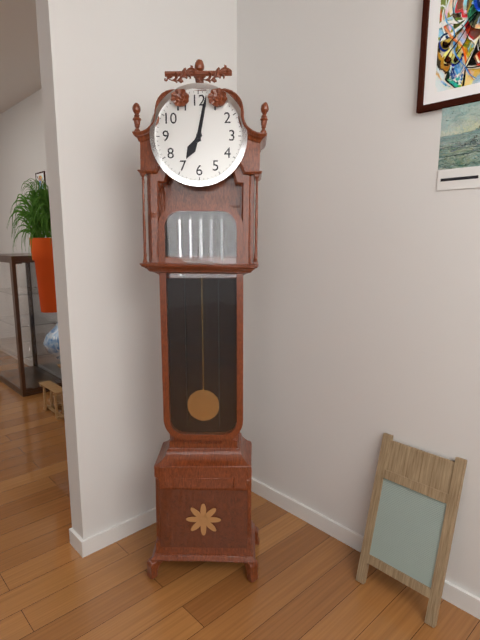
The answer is 7:02
